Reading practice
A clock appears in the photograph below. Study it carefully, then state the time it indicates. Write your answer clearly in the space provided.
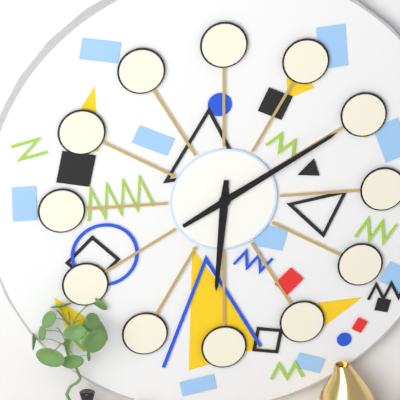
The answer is 6:10
